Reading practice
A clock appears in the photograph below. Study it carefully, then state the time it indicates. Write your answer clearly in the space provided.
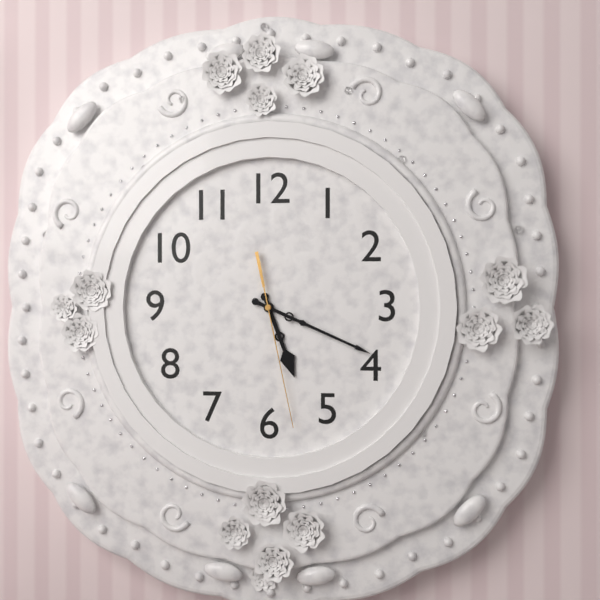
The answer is 5:19:28
